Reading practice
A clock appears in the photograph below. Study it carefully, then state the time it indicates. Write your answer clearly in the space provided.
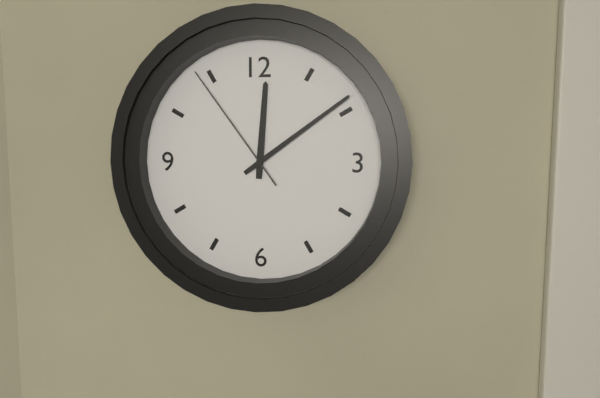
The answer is 12:09:54
